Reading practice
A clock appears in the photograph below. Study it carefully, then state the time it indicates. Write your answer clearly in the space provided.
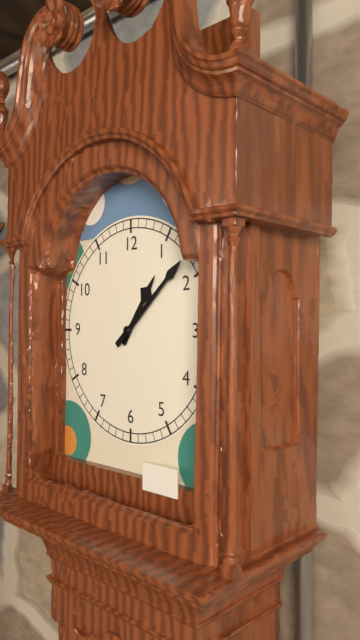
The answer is 1:08
